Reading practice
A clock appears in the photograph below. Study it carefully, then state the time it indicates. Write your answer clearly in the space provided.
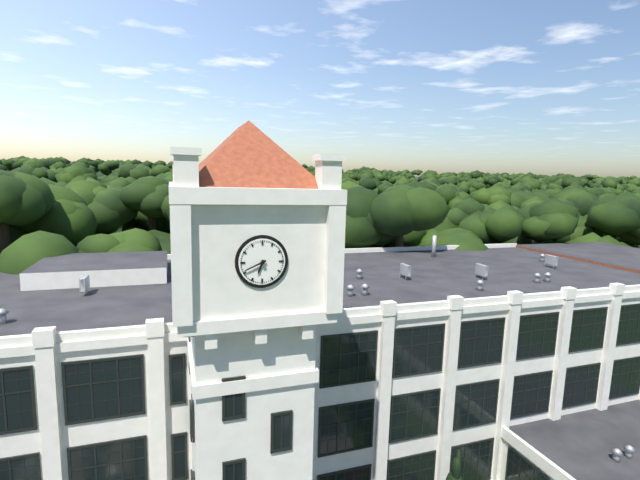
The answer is 6:41
